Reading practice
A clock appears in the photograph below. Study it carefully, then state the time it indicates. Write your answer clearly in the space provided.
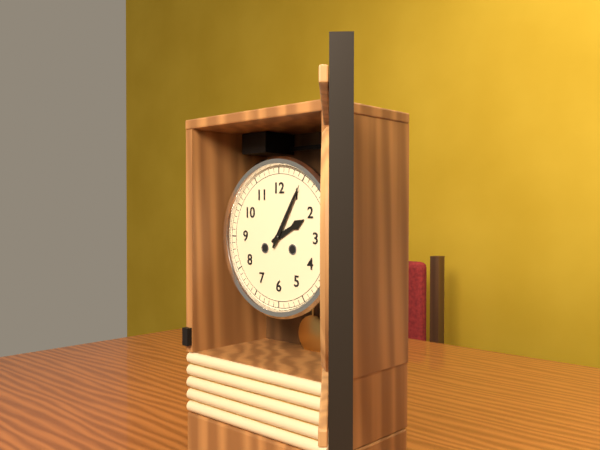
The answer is 2:05
